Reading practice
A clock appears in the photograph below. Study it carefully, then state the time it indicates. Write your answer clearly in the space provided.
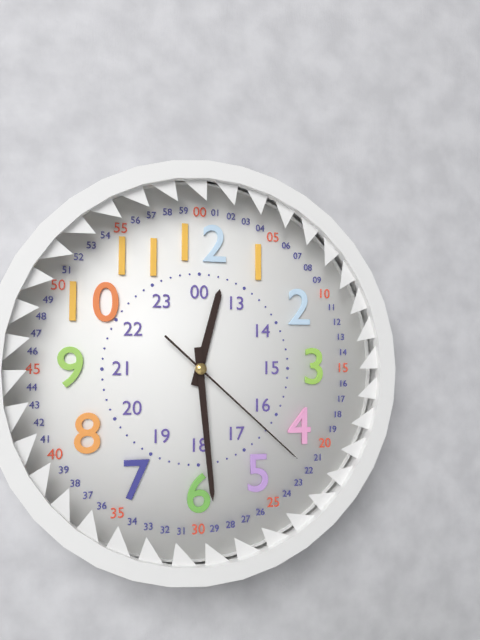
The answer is 12:29:22
